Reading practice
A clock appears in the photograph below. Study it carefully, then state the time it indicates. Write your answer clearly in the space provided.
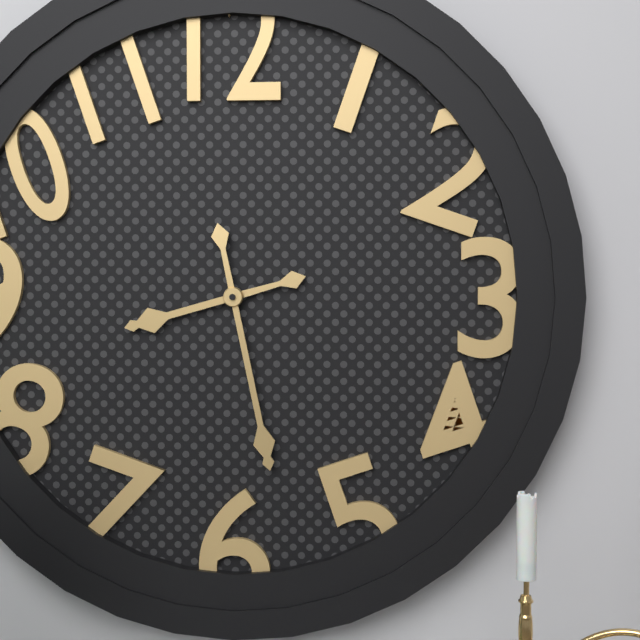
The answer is 8:28
